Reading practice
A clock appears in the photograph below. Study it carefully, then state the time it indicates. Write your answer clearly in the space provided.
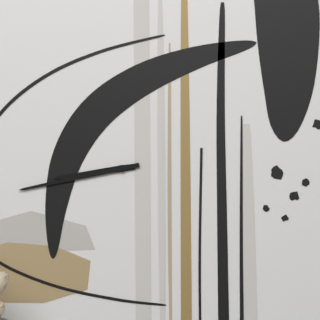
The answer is 8:43
